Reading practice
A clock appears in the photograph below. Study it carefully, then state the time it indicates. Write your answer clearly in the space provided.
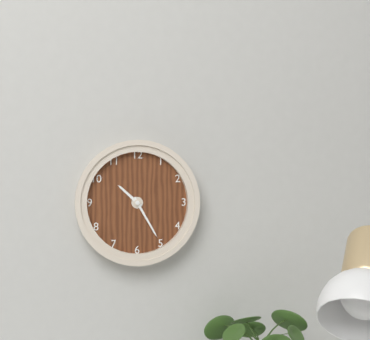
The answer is 10:25
